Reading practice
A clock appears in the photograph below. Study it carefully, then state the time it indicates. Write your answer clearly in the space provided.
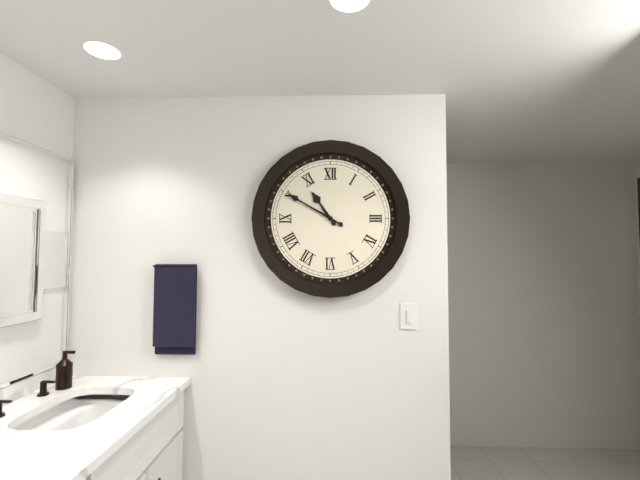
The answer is 10:50
